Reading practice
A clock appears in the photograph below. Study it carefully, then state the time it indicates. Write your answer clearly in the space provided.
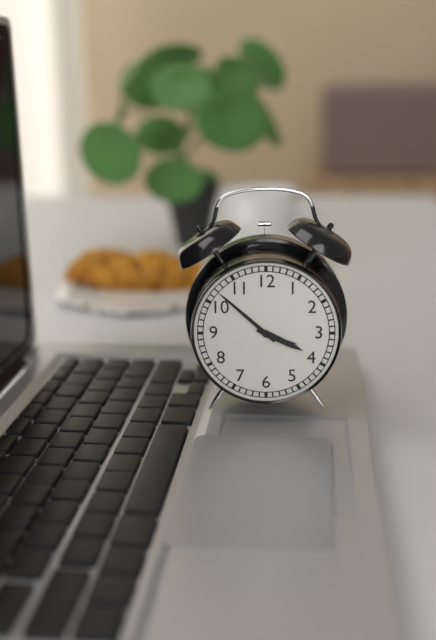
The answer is 3:52
